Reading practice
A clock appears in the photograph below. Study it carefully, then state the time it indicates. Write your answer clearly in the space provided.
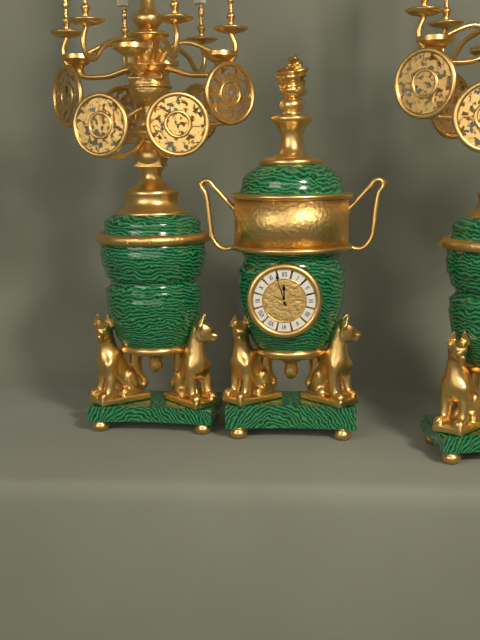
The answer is 11:57
